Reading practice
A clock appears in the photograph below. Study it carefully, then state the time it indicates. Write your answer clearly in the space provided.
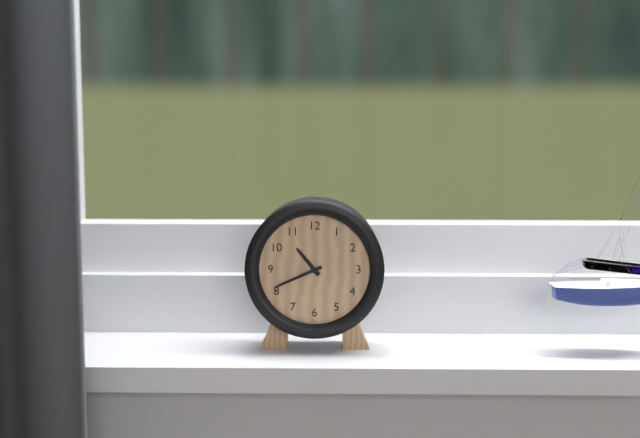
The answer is 10:41
